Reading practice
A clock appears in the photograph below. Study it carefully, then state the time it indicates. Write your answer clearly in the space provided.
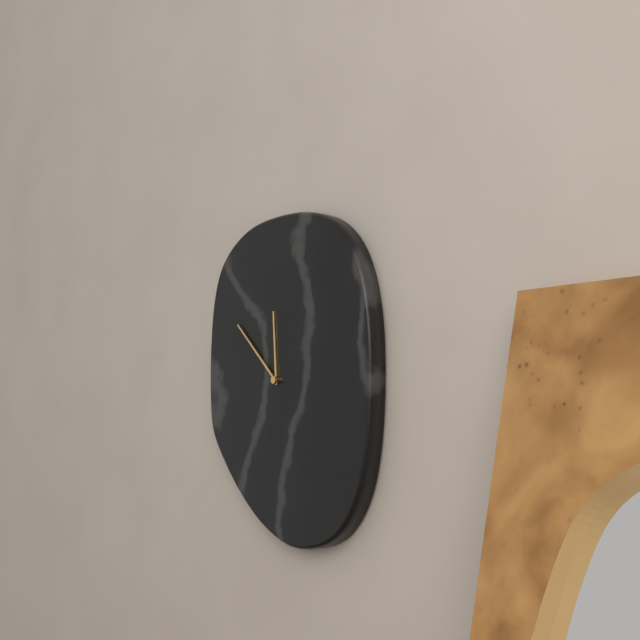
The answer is 11:52
